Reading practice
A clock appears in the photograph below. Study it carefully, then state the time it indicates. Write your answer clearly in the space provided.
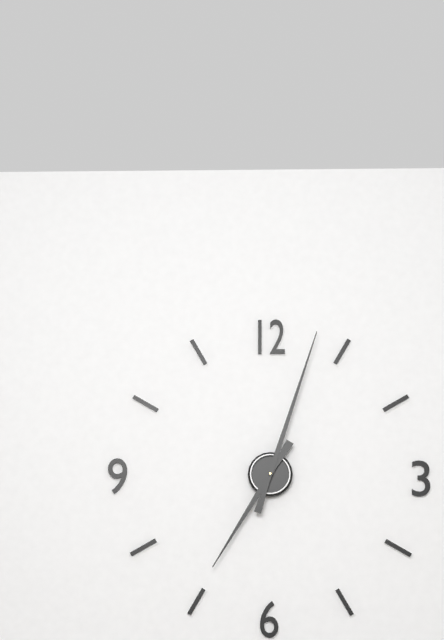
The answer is 7:03
